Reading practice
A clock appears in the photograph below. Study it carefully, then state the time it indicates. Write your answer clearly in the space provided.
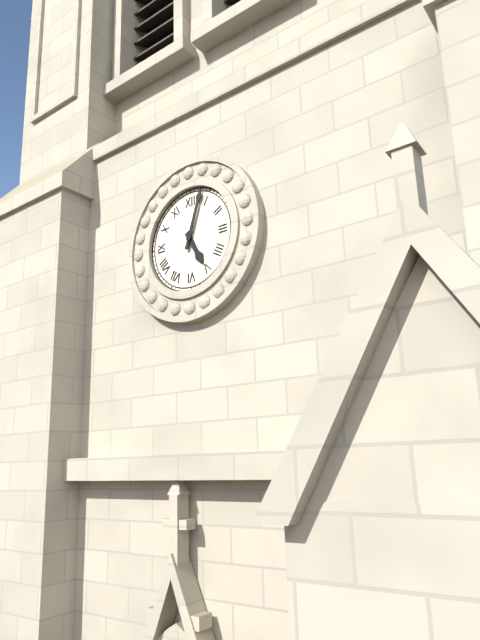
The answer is 5:03
